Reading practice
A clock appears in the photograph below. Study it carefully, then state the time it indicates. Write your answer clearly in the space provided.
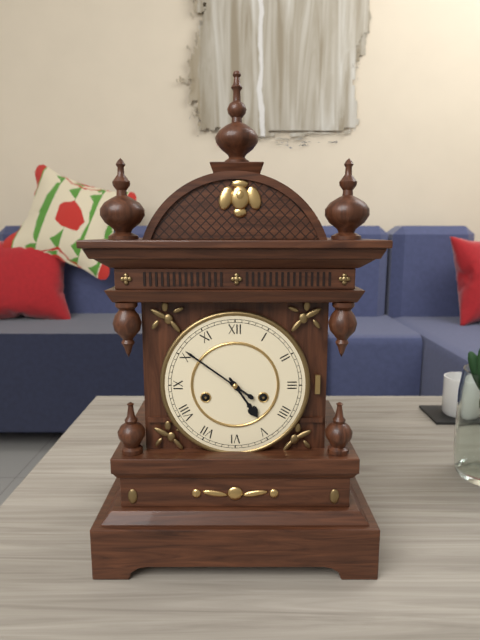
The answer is 4:51
